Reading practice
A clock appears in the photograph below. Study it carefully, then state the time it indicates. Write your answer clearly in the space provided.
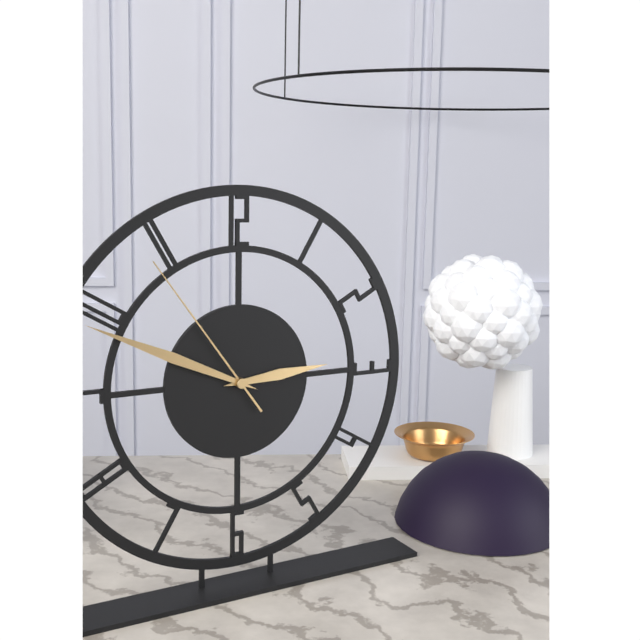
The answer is 2:49:54
